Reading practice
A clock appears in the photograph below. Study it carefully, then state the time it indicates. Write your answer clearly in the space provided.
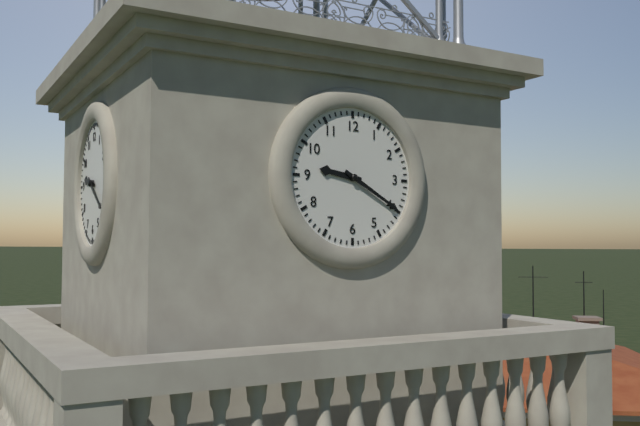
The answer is 9:20
